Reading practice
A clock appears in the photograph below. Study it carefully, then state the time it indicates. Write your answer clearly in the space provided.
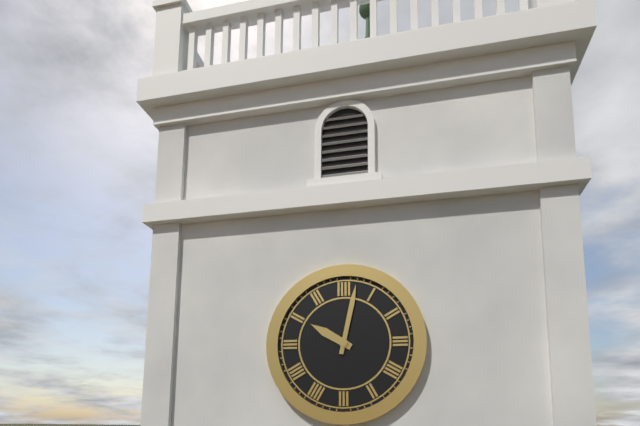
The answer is 10:02
